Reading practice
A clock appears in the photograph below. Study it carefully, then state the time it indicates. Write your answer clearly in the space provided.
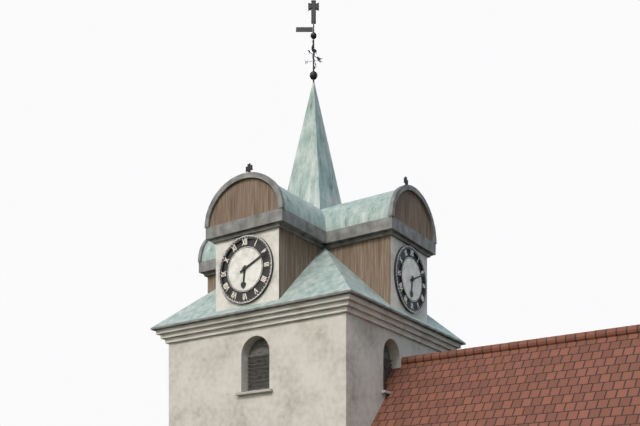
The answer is 6:11
